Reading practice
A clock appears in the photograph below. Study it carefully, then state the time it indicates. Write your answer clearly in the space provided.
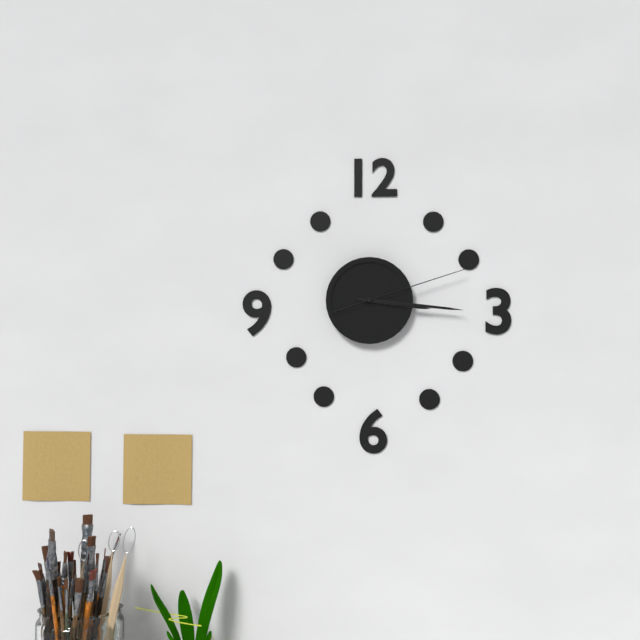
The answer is 3:16:12
